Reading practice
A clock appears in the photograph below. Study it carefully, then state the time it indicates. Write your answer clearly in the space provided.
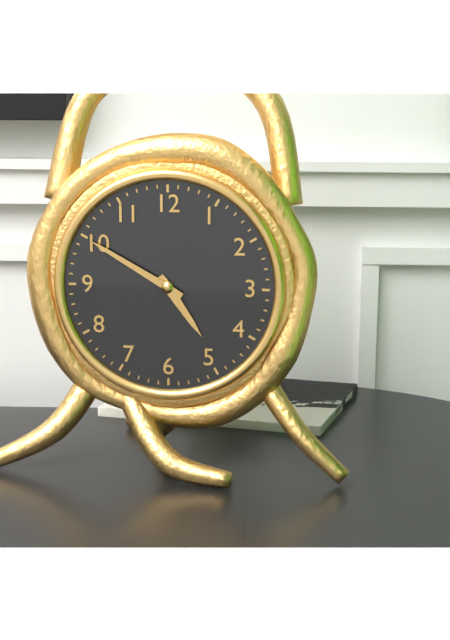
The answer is 4:50
